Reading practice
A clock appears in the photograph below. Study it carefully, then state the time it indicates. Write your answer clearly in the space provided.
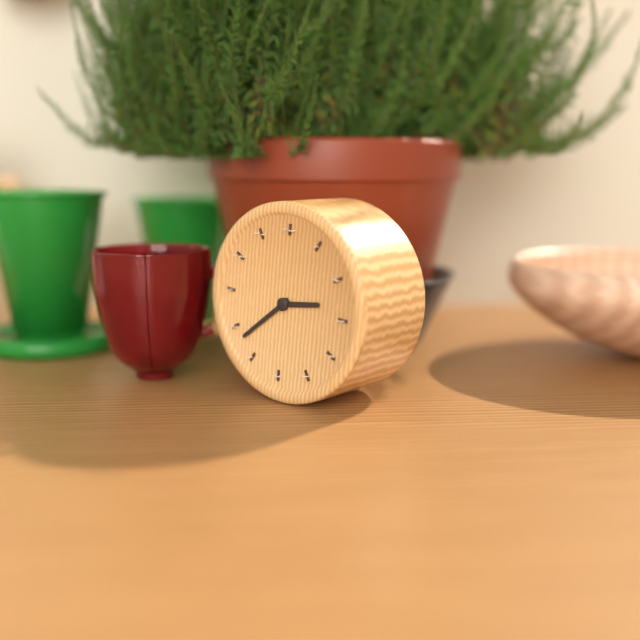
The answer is 2:38
